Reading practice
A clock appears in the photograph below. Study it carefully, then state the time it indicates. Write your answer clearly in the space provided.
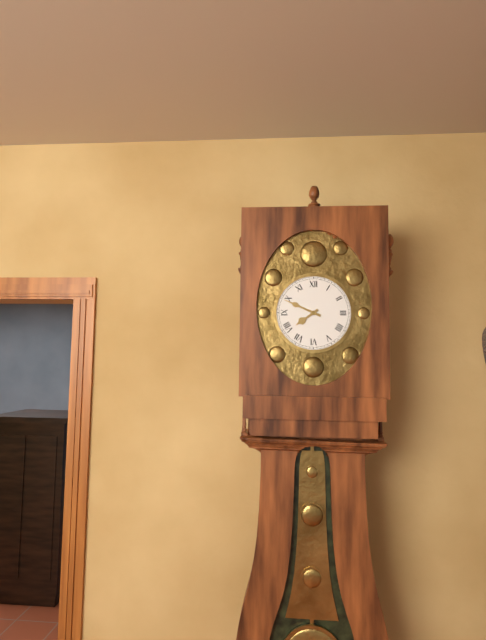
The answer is 7:49
